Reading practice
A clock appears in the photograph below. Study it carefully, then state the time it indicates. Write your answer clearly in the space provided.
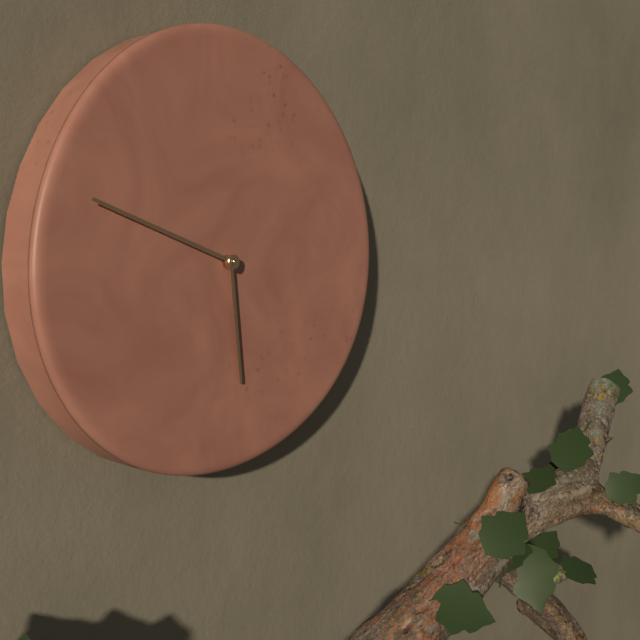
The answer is 5:48
